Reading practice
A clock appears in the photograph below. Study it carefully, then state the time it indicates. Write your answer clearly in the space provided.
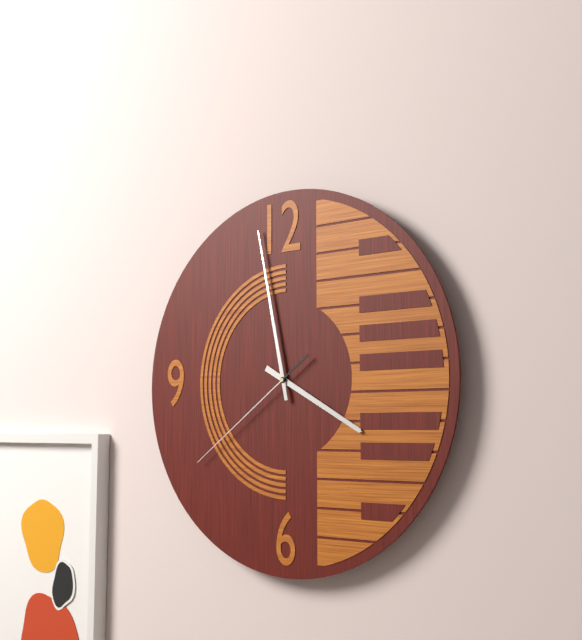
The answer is 3:58:39
